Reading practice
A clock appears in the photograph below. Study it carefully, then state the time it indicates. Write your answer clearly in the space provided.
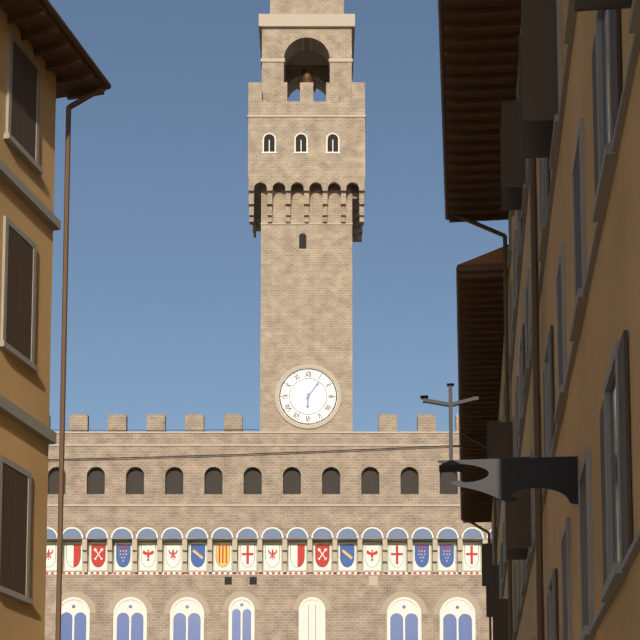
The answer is 6:06
